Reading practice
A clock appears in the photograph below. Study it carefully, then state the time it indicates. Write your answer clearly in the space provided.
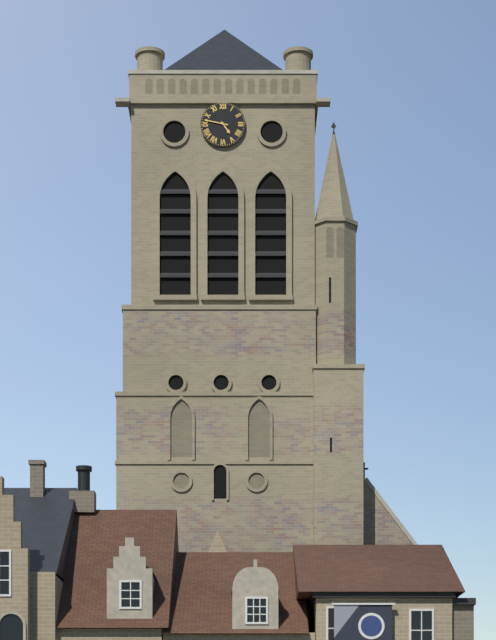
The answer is 4:47
